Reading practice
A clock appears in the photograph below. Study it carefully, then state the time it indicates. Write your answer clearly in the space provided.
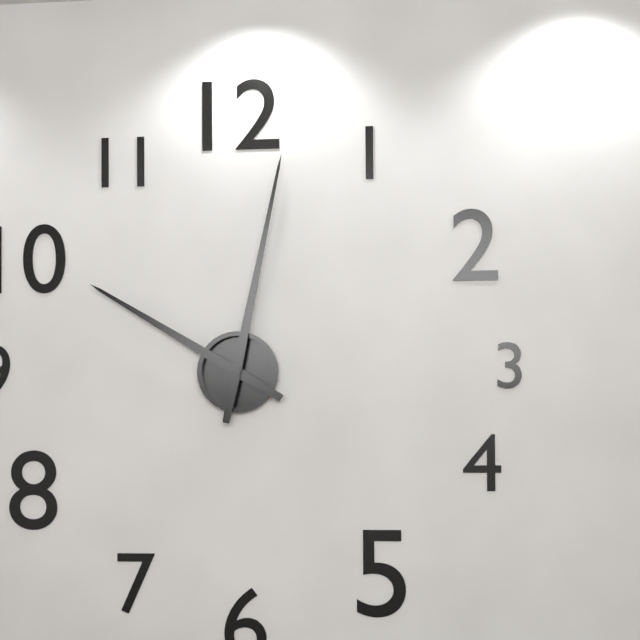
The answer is 10:02
